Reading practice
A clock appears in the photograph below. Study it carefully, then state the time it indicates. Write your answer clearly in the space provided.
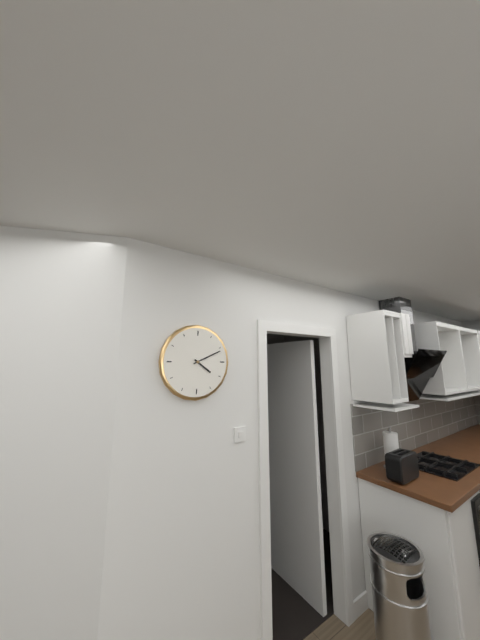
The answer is 4:11
